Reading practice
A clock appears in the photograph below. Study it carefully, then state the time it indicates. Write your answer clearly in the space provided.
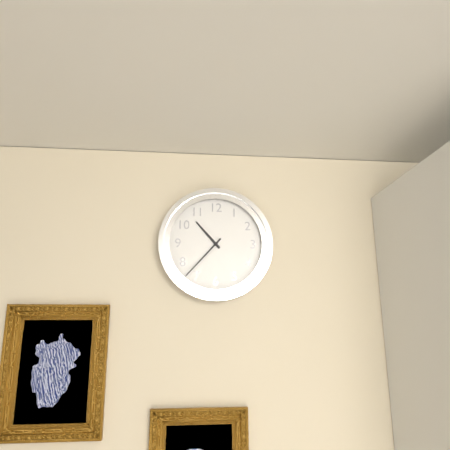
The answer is 10:37
